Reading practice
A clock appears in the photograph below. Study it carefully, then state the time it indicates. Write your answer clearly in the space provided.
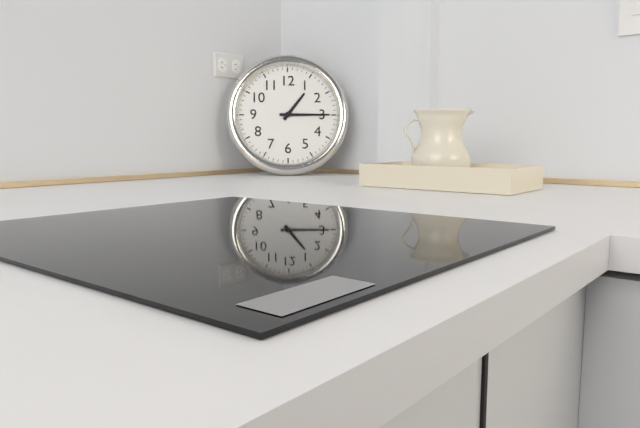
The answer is 1:15
